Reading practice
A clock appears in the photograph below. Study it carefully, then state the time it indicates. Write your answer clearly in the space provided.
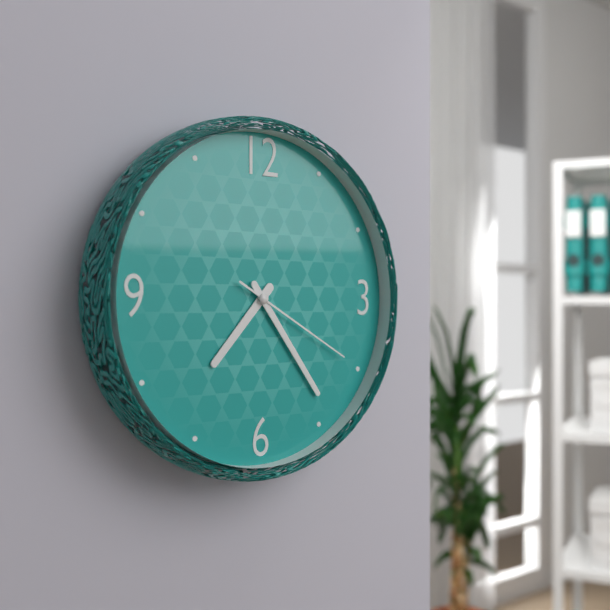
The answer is 7:24:20
